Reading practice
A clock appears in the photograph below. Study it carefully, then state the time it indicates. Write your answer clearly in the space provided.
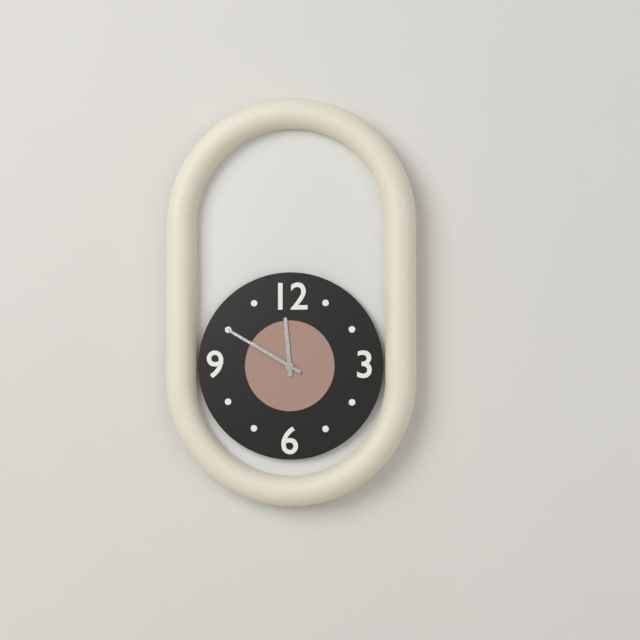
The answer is 11:50
